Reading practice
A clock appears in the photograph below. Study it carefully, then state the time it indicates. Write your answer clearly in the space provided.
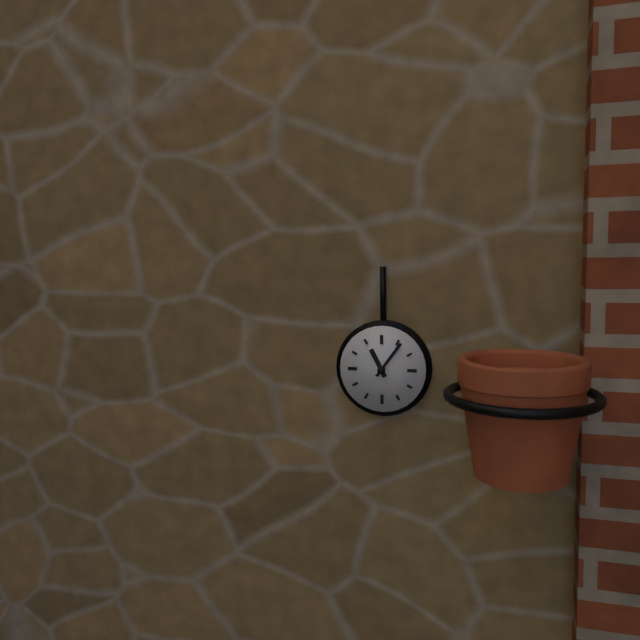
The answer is 11:06
